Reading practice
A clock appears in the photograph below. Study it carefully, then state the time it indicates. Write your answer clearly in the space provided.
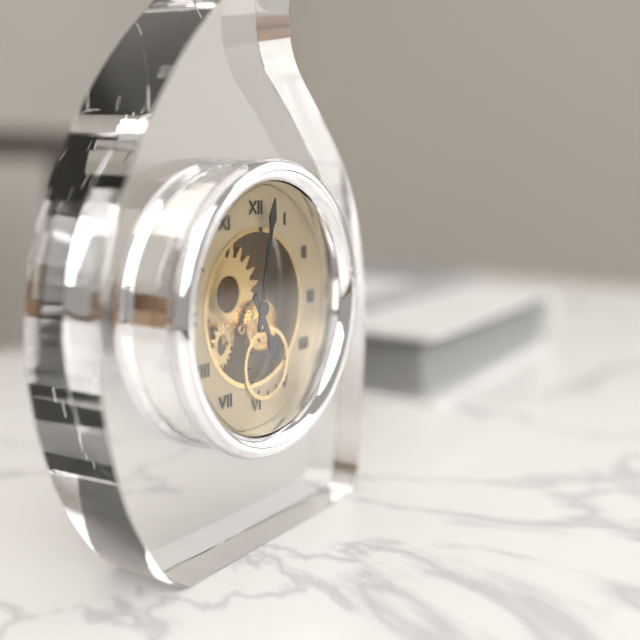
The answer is 5:02
